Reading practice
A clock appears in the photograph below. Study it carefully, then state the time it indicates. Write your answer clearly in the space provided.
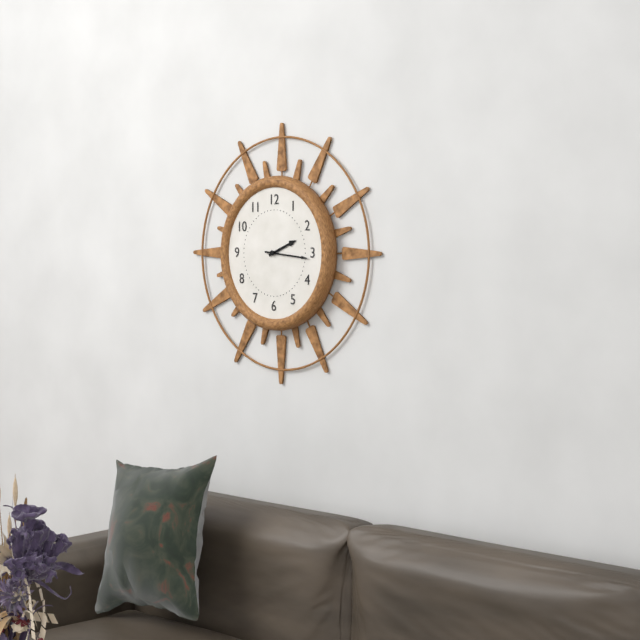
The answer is 2:16
